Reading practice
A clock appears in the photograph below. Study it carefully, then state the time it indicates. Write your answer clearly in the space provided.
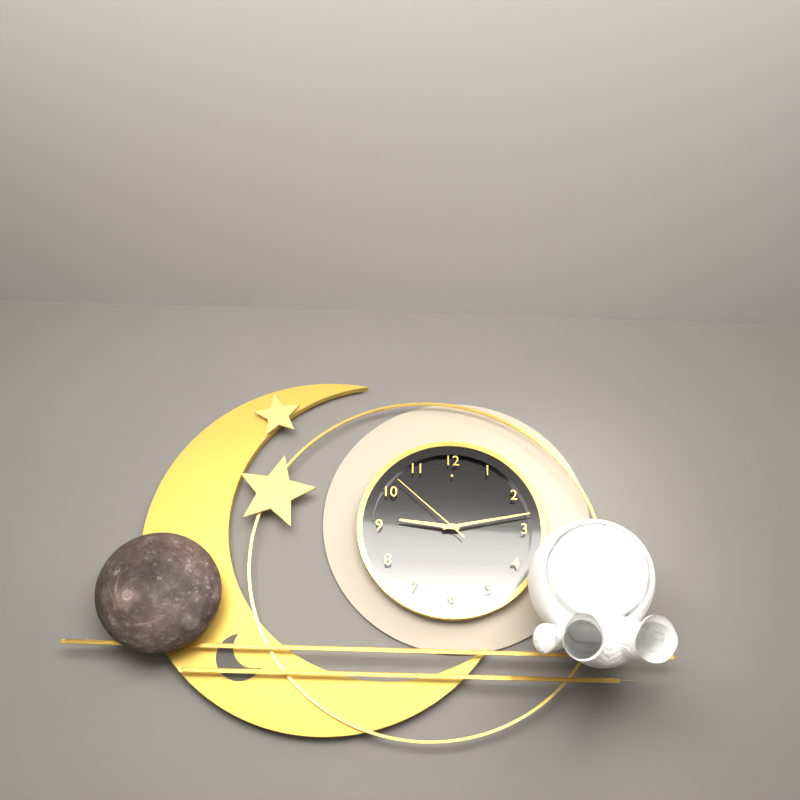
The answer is 9:13:52
